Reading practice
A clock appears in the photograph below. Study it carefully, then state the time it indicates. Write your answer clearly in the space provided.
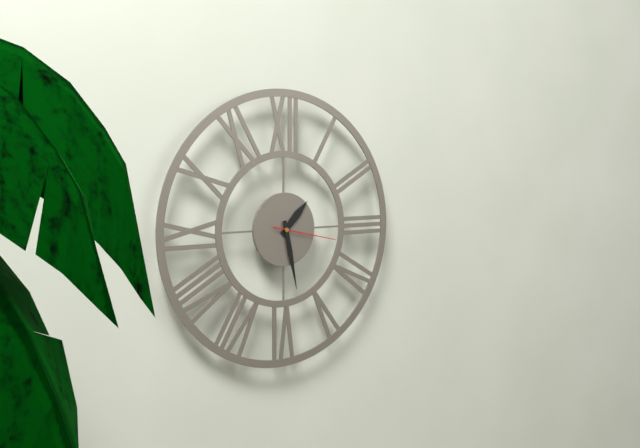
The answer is 1:28:17
